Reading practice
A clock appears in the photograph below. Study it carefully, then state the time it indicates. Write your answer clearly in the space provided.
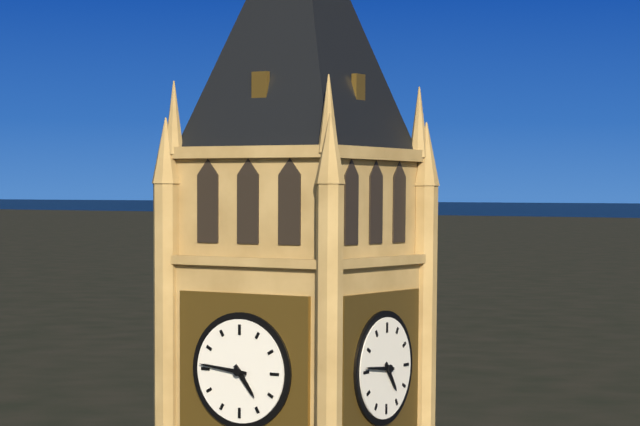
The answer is 4:46
